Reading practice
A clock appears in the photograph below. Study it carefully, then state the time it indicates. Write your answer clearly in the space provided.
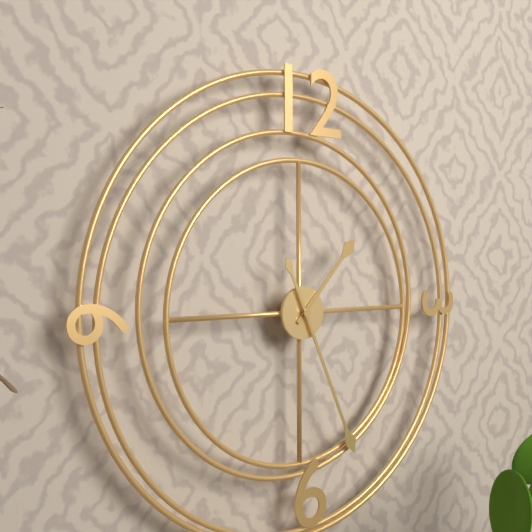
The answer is 1:26
